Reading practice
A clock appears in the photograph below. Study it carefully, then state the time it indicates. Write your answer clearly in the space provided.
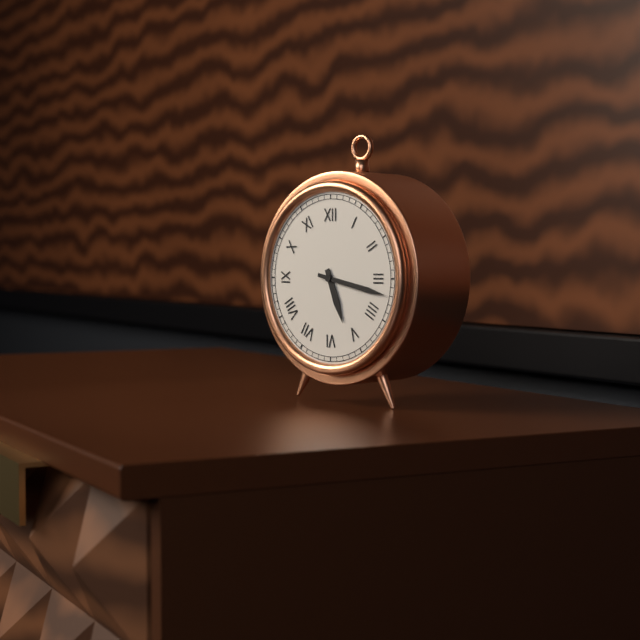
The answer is 5:17
